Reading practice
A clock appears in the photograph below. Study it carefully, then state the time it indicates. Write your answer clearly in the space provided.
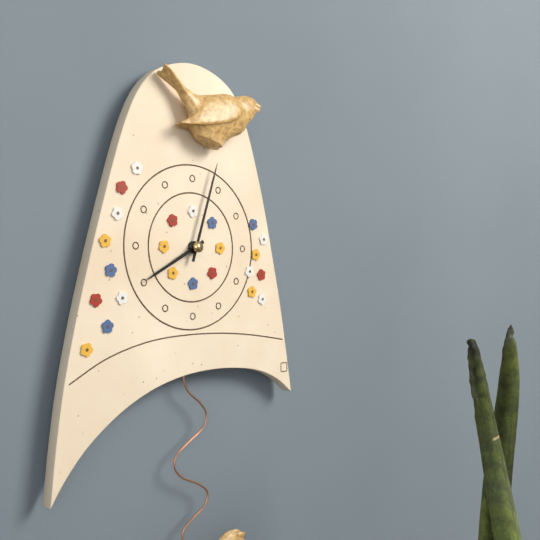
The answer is 8:03
